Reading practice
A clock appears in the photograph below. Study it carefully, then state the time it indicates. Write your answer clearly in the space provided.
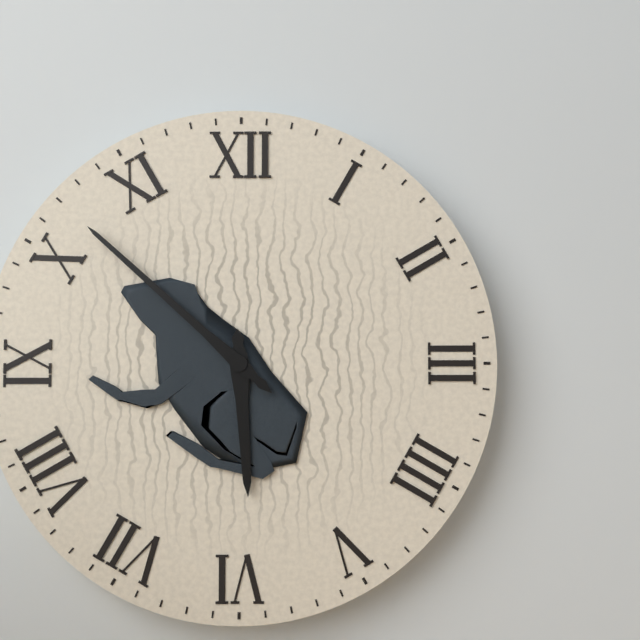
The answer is 5:52
